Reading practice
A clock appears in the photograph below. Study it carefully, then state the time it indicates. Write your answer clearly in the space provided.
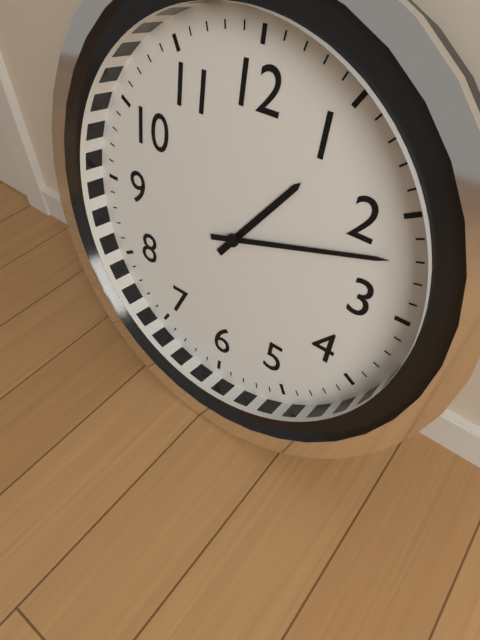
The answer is 1:12
